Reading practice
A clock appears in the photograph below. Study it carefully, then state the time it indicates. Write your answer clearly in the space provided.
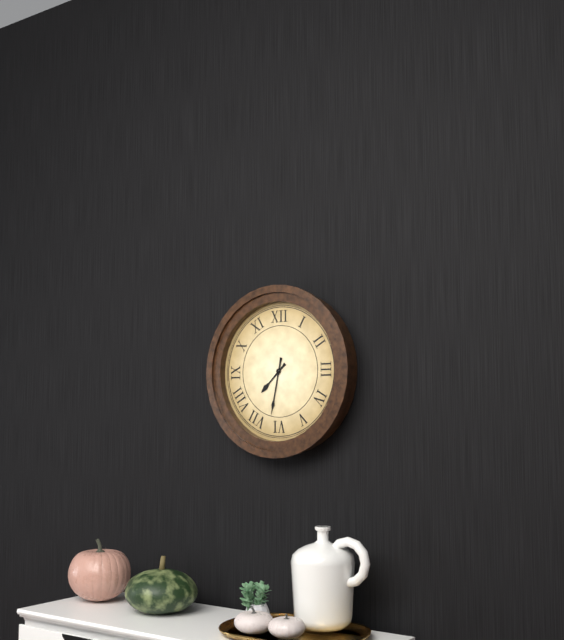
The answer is 7:32
